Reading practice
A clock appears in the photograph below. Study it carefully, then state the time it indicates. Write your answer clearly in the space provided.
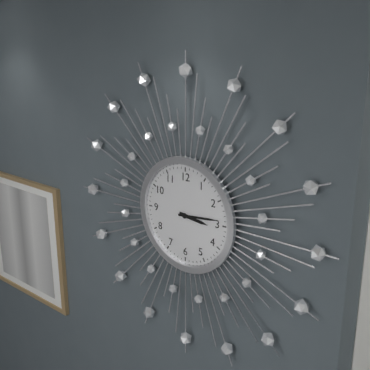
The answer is 3:14
